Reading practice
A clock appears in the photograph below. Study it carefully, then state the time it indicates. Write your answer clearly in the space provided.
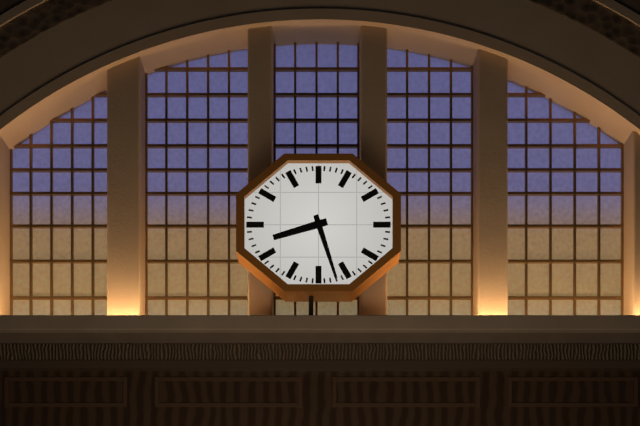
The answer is 8:27
